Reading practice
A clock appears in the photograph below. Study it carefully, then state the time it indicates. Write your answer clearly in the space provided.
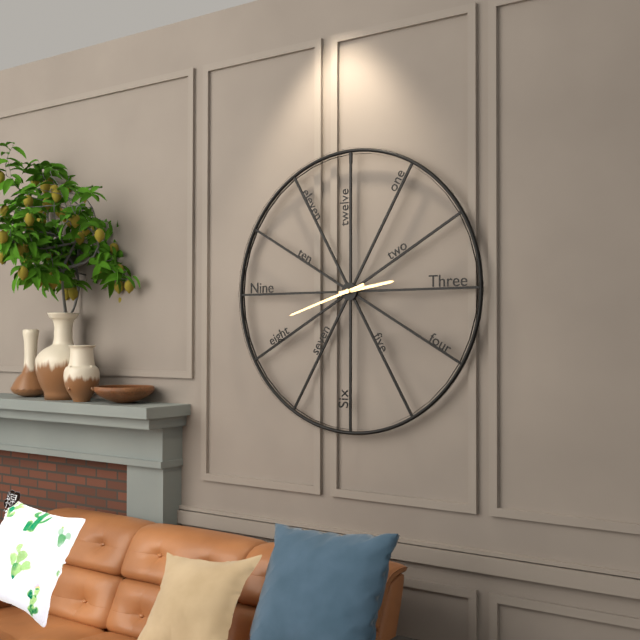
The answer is 2:42
